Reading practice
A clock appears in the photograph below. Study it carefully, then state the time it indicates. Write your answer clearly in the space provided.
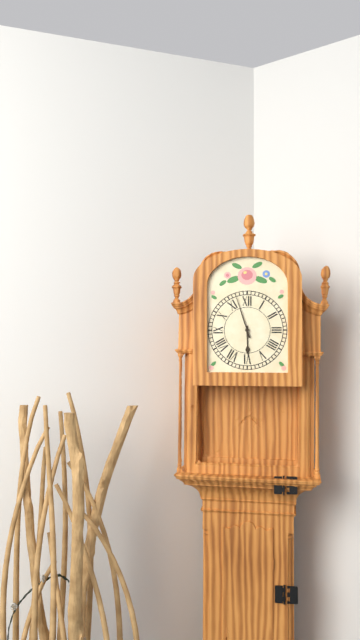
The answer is 5:57
